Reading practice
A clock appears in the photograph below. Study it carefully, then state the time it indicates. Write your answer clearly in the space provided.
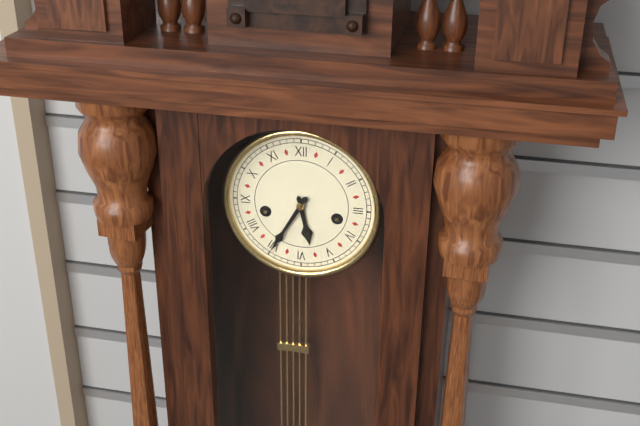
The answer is 5:35
